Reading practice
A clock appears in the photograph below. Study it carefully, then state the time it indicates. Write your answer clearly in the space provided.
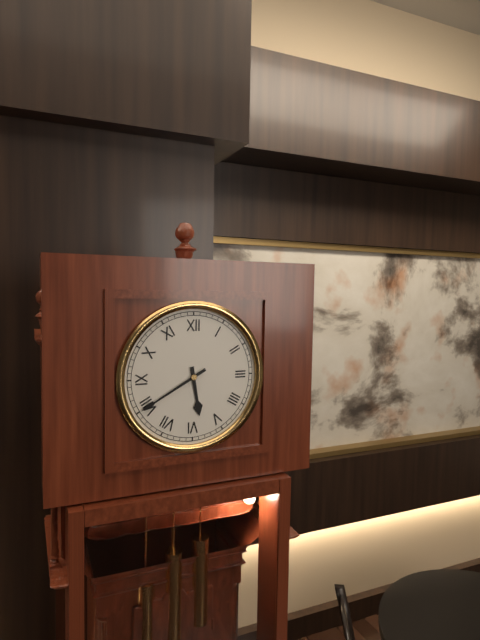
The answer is 5:40
